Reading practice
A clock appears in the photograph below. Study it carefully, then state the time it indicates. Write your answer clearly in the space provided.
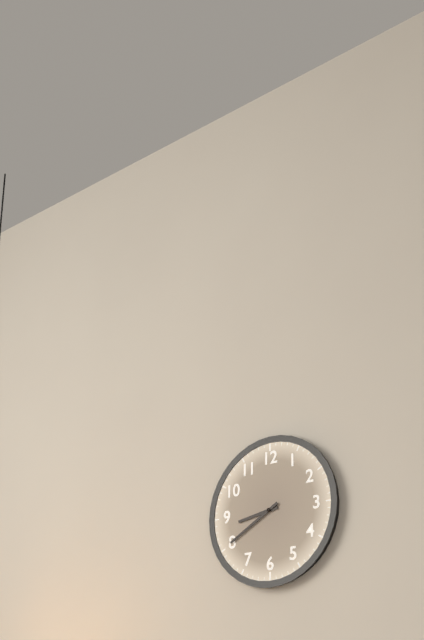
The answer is 8:40
